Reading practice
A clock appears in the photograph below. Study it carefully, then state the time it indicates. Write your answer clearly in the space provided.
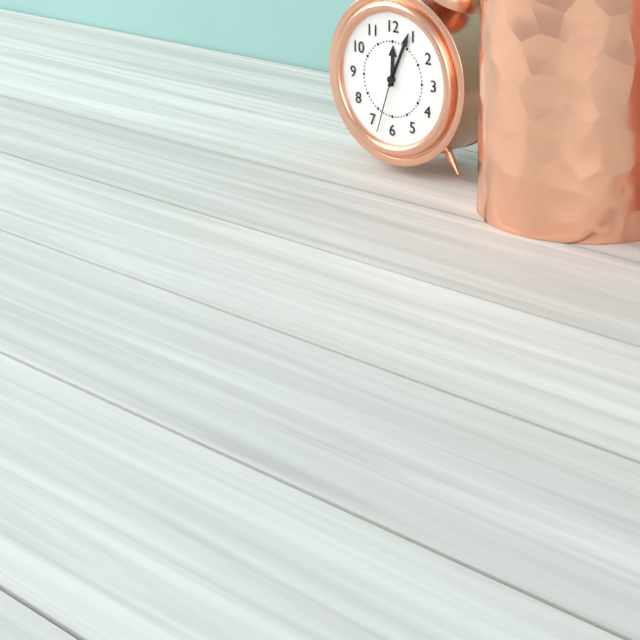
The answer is 12:04:33
